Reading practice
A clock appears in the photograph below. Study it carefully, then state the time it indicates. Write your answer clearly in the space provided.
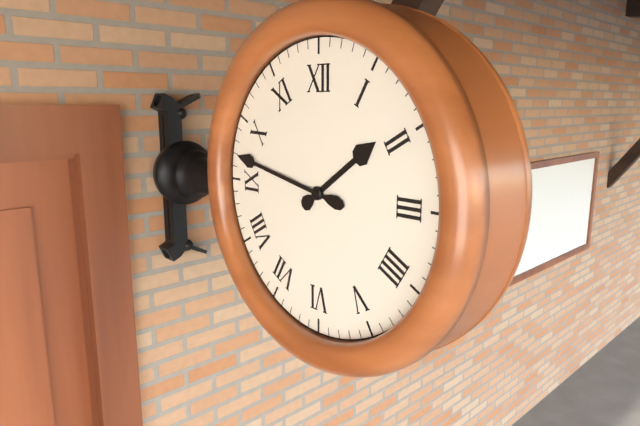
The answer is 1:47
